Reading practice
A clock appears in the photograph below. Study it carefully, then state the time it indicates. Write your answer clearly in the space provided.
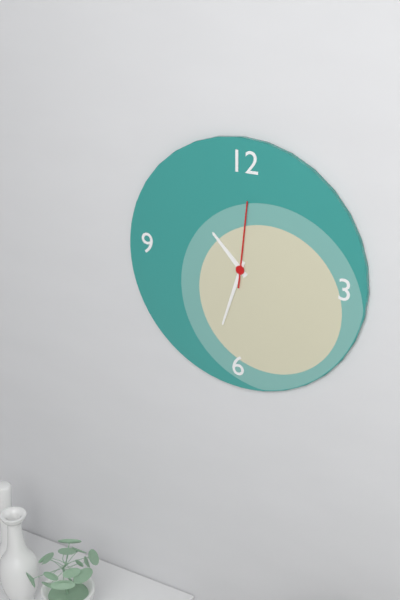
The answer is 10:33:01
